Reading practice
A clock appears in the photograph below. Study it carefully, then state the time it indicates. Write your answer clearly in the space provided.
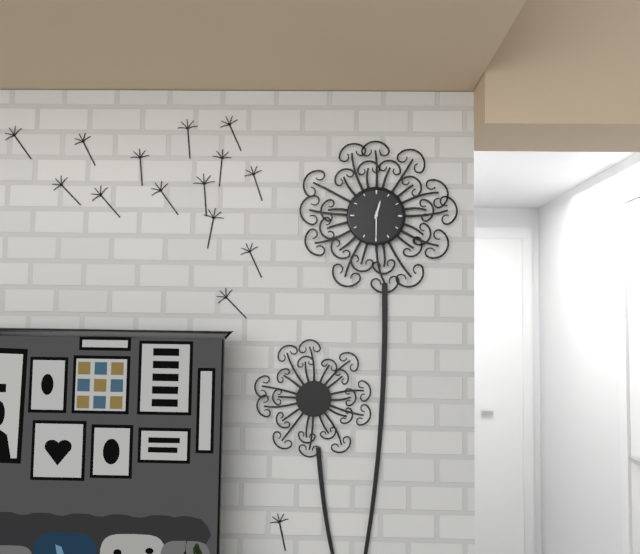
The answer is 12:30
